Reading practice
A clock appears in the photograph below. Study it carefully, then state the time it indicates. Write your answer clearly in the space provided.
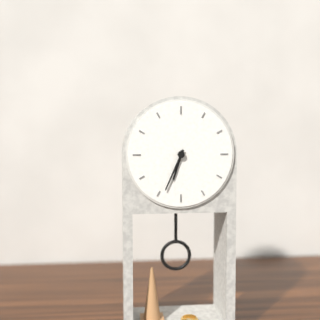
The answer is 6:34
